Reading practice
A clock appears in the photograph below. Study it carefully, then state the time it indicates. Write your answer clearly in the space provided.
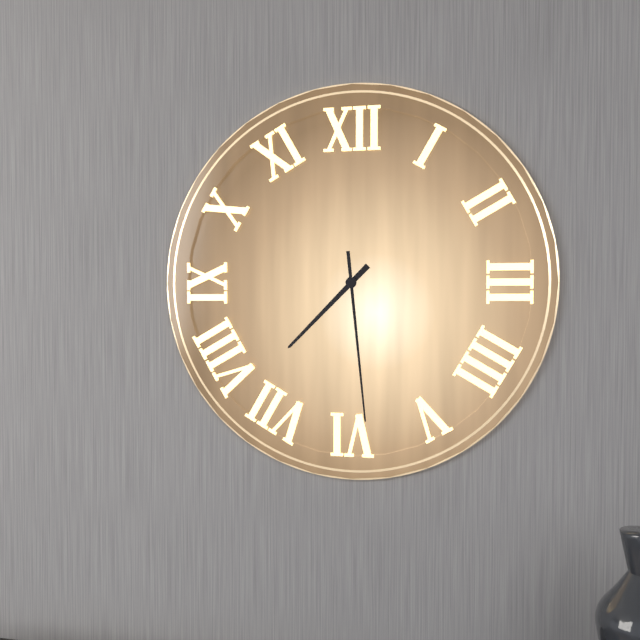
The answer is 7:29
